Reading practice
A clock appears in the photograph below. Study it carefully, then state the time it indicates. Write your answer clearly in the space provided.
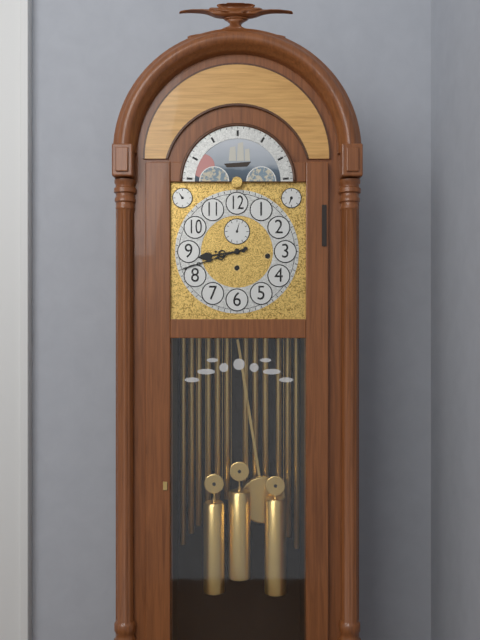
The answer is 8:42
